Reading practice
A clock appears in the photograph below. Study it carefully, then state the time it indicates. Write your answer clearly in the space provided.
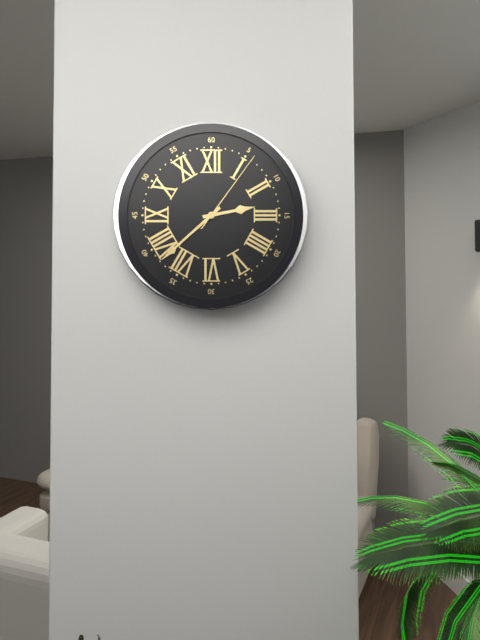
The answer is 2:38:06
